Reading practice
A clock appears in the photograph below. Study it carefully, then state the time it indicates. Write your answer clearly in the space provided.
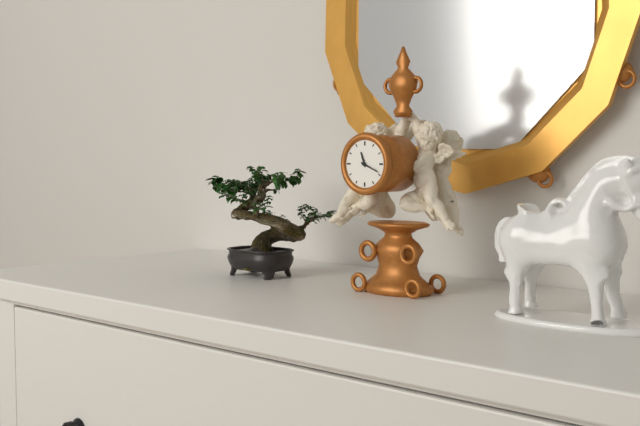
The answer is 11:19
